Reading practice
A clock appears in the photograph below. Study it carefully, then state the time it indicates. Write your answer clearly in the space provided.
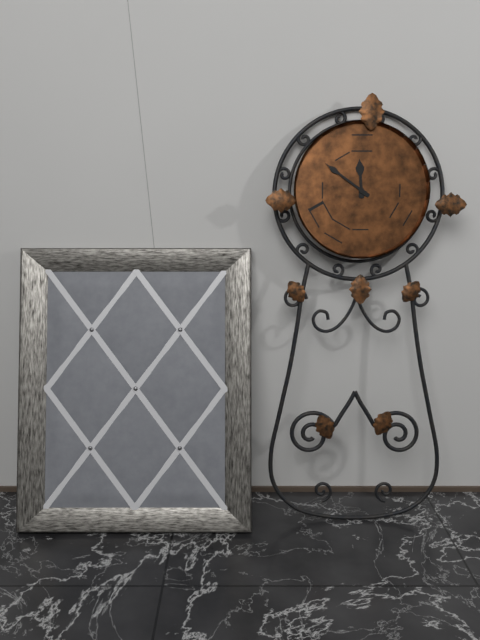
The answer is 11:51
